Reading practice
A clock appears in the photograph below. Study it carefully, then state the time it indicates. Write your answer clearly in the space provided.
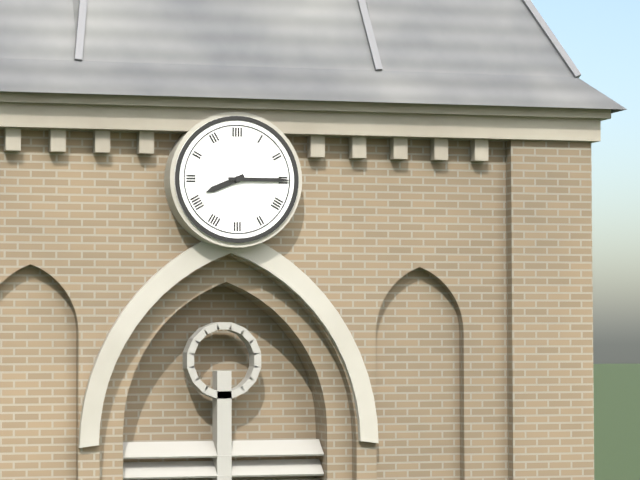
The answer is 8:15
